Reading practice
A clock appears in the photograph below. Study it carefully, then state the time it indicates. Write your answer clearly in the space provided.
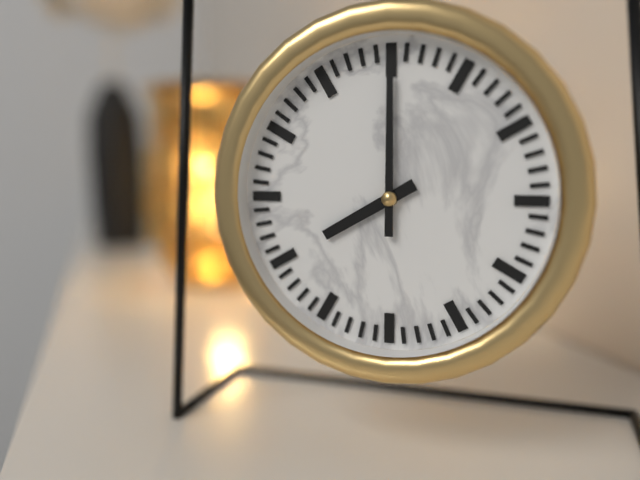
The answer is 8:00
